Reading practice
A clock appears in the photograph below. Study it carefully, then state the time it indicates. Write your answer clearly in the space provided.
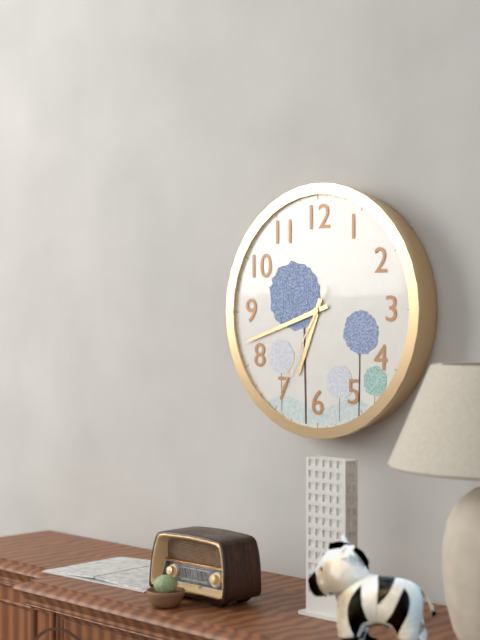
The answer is 6:42:35
